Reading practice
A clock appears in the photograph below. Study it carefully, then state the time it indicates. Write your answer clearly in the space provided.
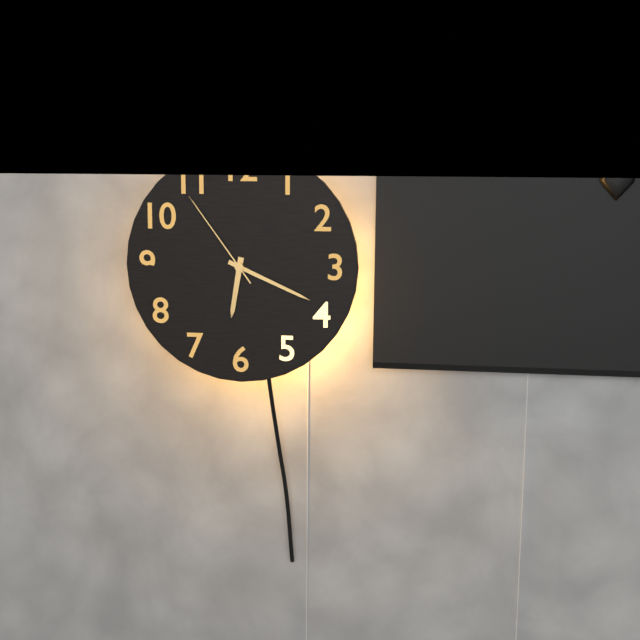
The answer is 6:19:54
